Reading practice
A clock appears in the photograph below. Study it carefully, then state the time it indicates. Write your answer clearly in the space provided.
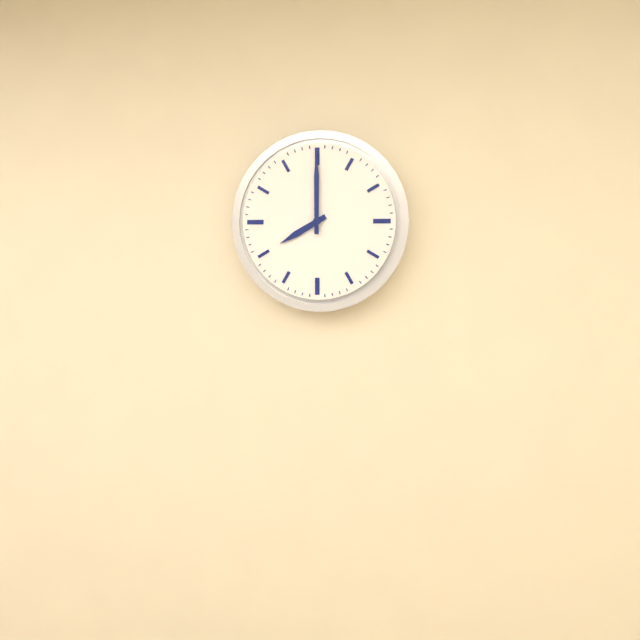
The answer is 8:00
